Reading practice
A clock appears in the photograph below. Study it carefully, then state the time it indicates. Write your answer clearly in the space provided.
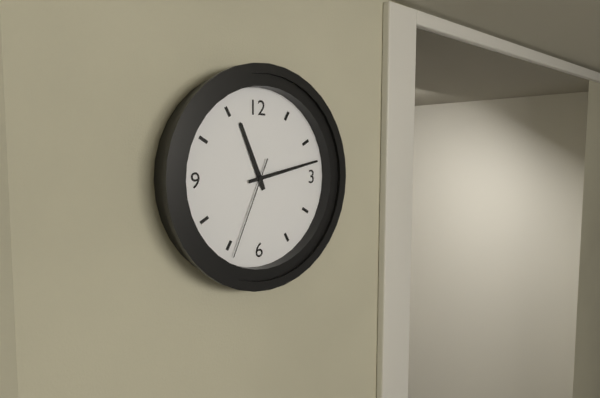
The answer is 11:13:34
